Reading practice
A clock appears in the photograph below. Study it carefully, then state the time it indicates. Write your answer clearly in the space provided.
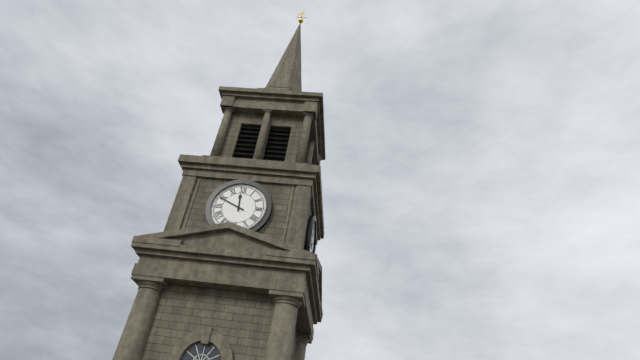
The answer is 11:49
